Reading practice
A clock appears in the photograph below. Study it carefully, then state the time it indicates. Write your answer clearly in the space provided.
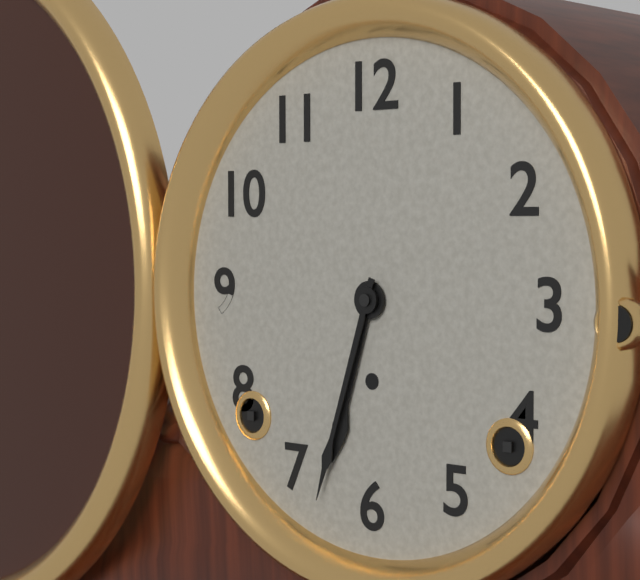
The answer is 6:33
